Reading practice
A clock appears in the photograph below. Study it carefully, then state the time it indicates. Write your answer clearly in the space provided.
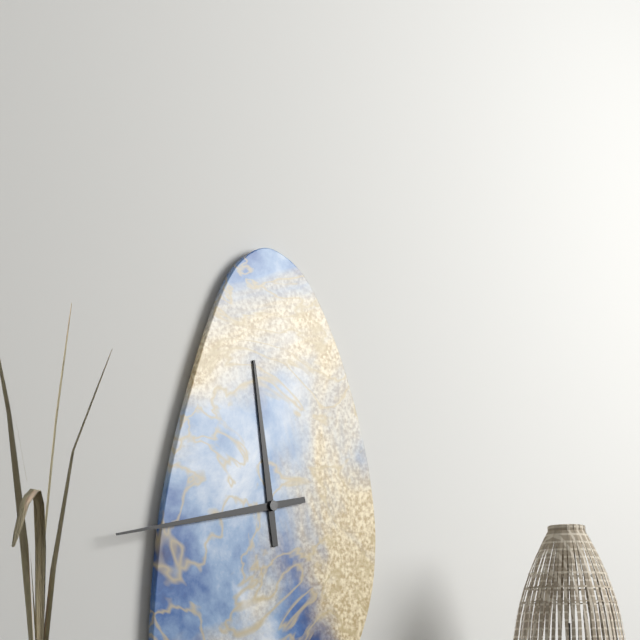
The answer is 11:43
